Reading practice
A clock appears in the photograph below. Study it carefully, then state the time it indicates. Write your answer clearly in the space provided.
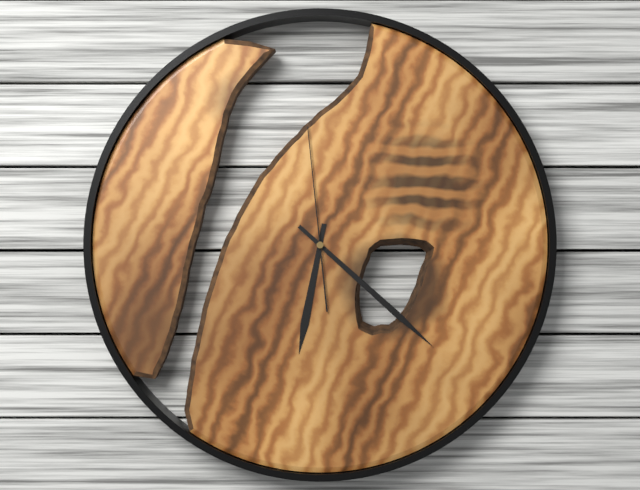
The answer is 6:22:59
